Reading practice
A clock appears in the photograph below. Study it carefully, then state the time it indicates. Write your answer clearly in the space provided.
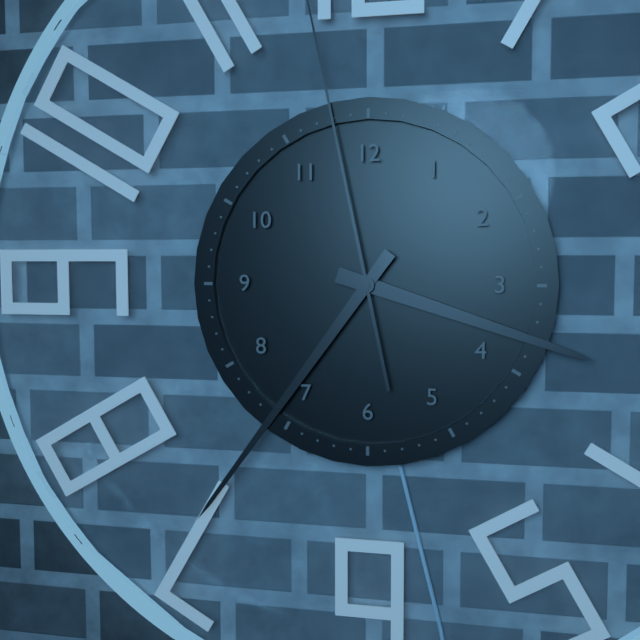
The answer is 3:36
